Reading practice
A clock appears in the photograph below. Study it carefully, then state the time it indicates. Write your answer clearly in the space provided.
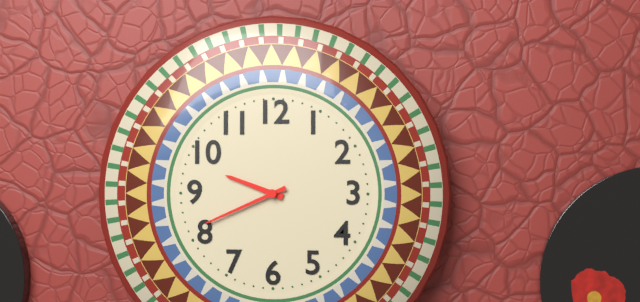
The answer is 9:41
